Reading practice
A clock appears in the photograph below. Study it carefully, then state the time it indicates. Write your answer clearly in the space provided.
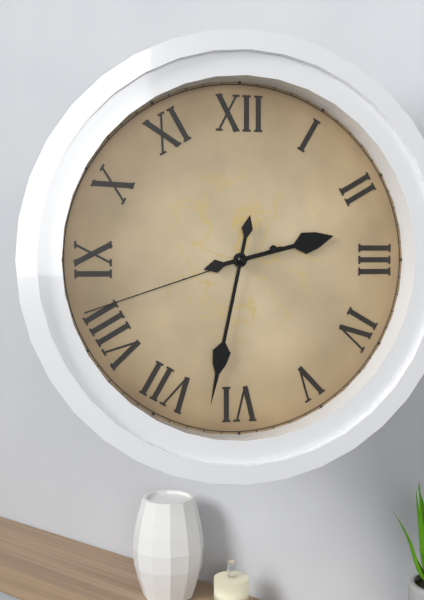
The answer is 2:32:42
